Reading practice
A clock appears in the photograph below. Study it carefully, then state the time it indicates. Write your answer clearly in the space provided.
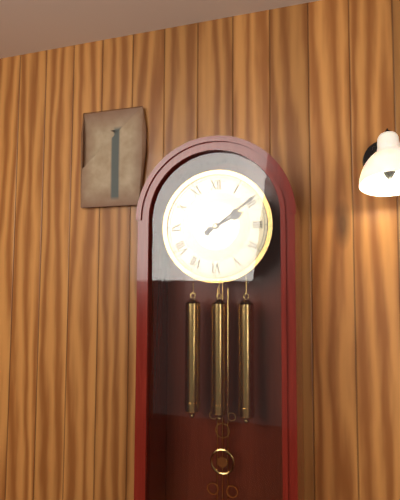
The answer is 2:09
